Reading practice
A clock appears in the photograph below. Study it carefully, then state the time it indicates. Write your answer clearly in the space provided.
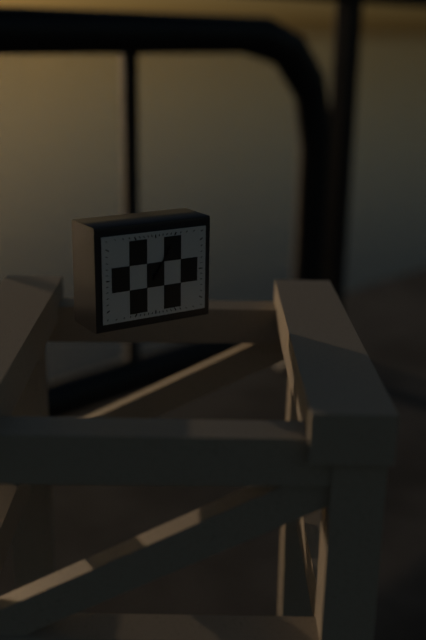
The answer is 1:05
